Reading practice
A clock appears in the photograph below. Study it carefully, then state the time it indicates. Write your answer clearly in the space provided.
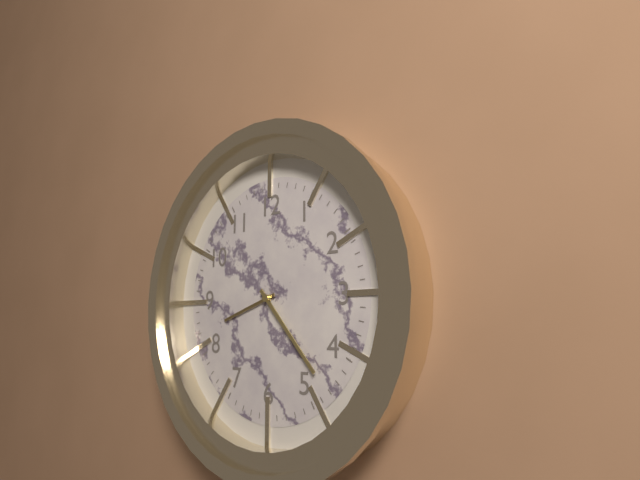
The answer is 8:23
